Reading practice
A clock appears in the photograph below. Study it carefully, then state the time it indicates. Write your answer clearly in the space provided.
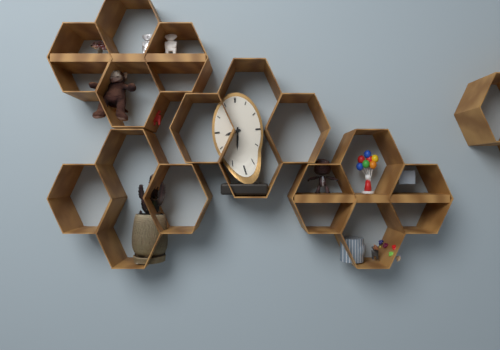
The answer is 8:31
